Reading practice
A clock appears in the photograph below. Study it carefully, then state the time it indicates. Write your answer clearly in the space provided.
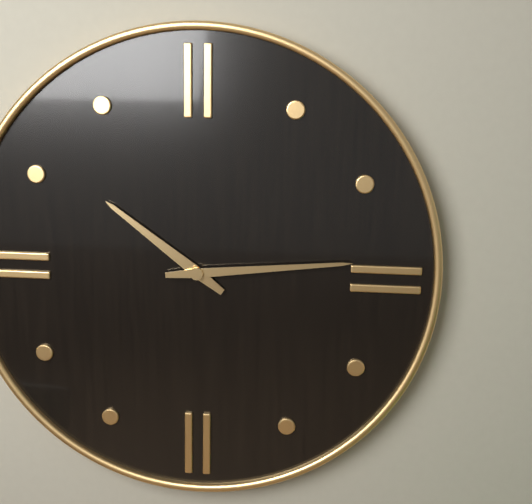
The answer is 10:14
